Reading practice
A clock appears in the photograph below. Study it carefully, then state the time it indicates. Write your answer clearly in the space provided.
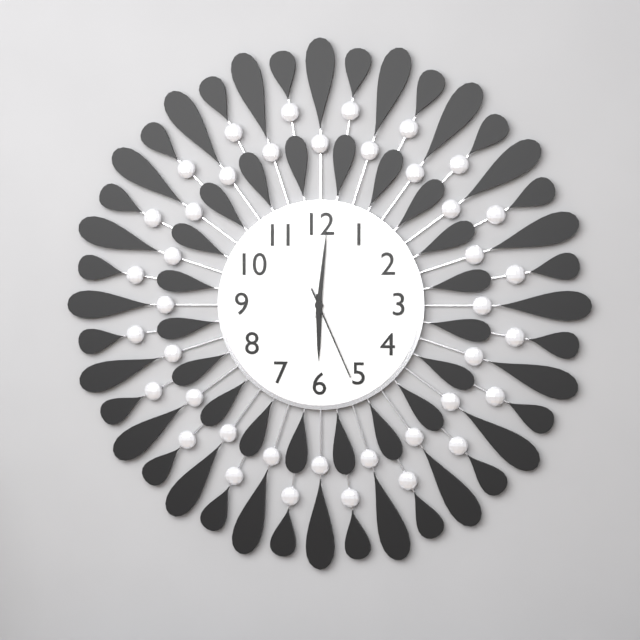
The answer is 6:01:26
